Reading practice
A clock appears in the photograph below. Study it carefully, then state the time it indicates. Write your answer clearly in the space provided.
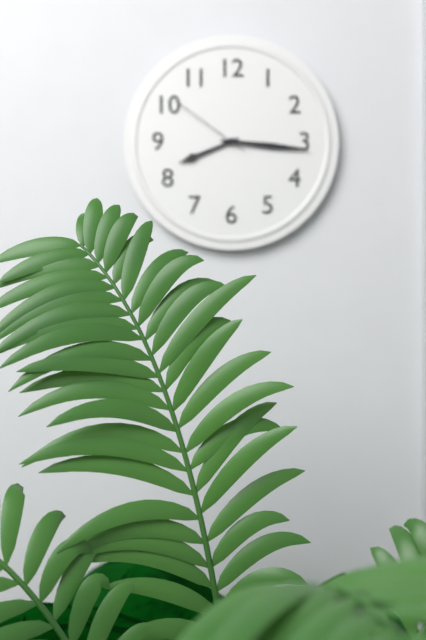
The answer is 8:16:51
